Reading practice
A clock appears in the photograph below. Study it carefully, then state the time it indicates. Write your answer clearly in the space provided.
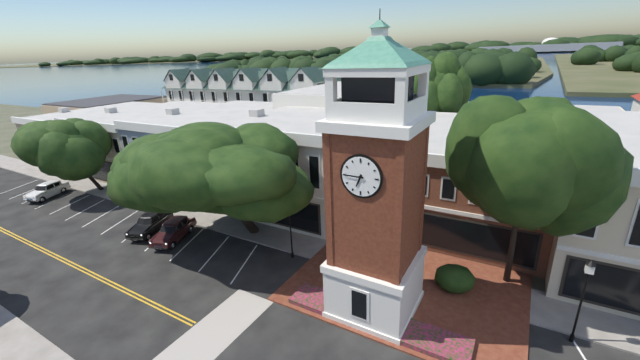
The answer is 6:45
